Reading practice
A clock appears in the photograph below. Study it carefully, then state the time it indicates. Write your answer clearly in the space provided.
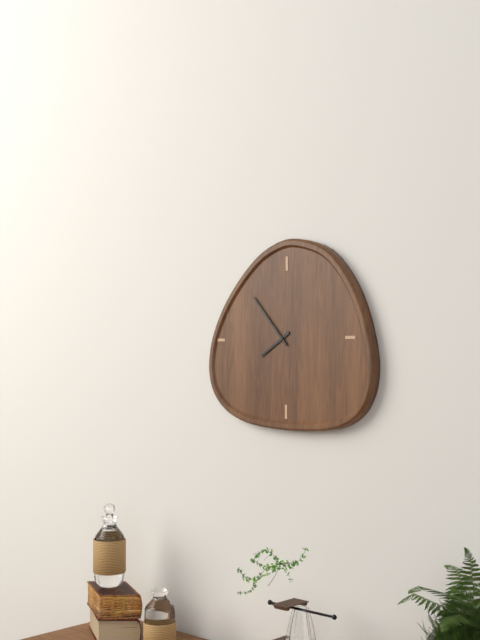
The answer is 7:53
